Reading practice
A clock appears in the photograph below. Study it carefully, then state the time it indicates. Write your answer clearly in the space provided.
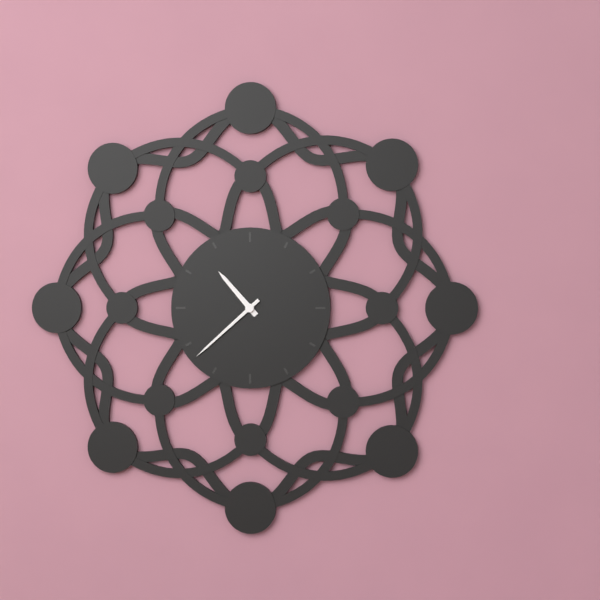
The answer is 10:38
